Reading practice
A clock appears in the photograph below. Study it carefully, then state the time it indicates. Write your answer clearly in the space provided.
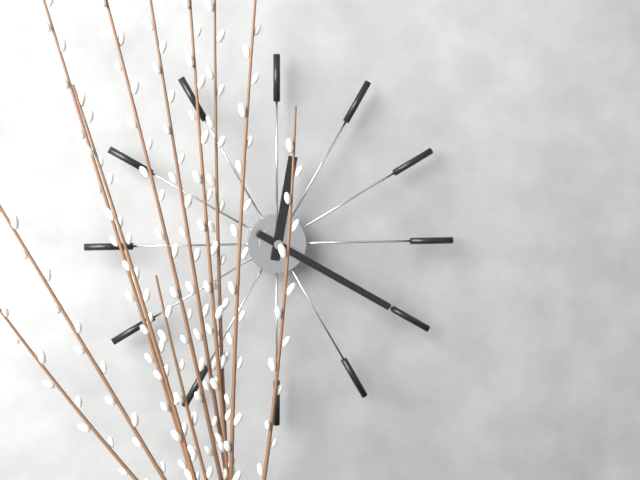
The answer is 12:20
